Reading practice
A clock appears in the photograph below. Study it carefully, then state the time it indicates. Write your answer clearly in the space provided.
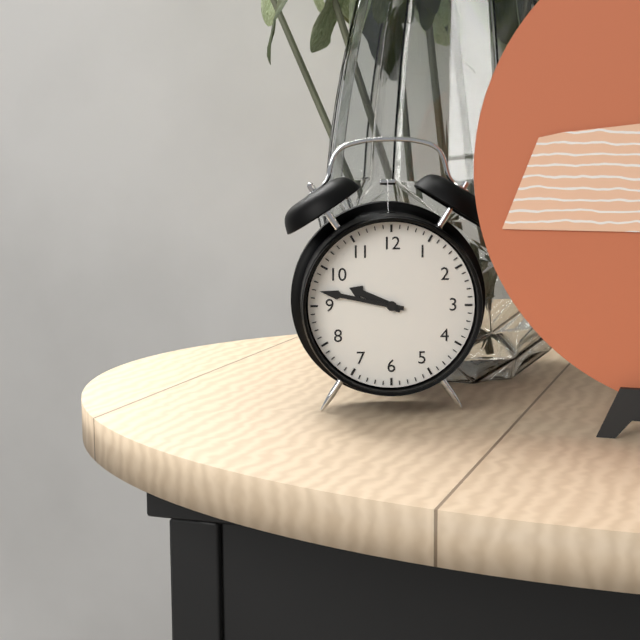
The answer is 9:47
